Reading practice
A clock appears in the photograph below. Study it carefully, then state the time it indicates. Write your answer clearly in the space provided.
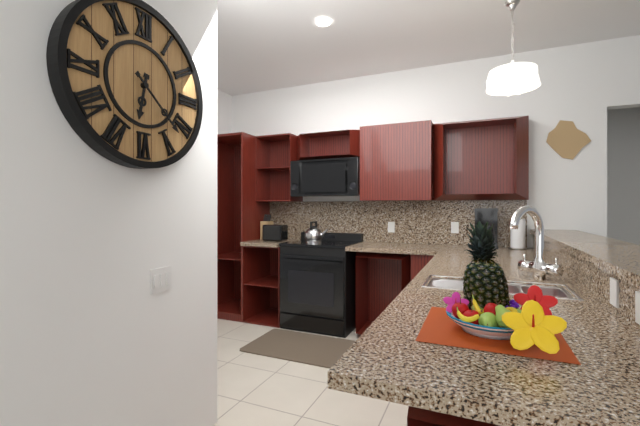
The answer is 6:22
